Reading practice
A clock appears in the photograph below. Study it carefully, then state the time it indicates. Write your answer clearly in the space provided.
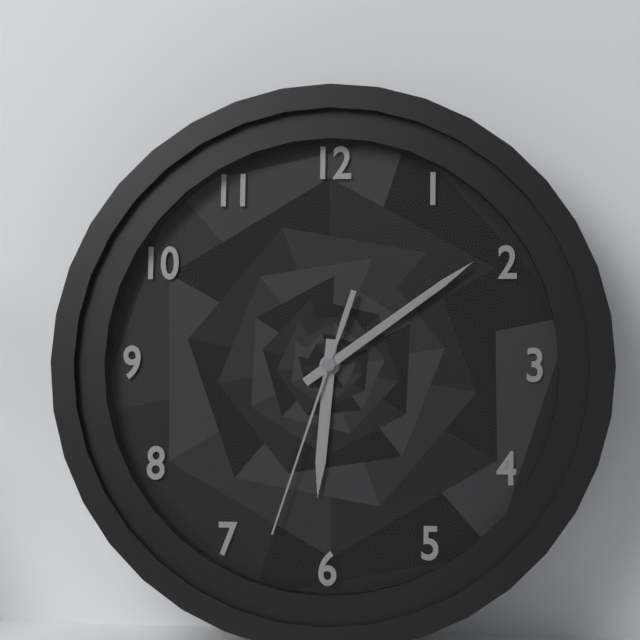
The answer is 6:09:33
